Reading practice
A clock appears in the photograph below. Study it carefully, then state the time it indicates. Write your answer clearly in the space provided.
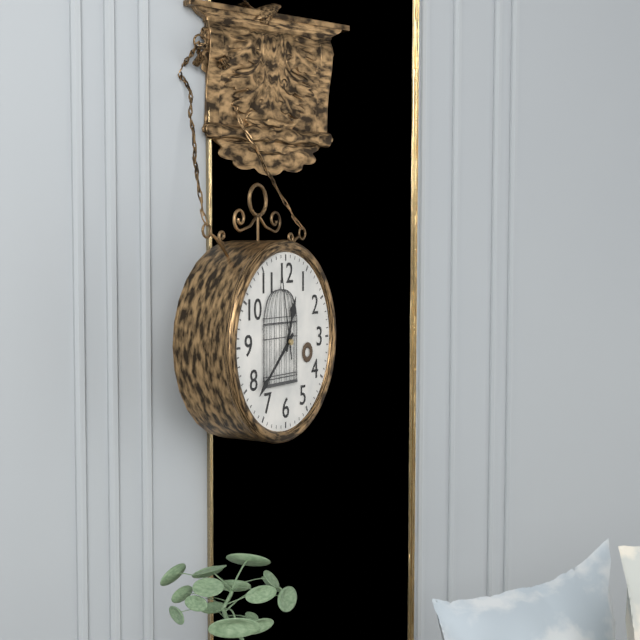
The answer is 12:38:58
